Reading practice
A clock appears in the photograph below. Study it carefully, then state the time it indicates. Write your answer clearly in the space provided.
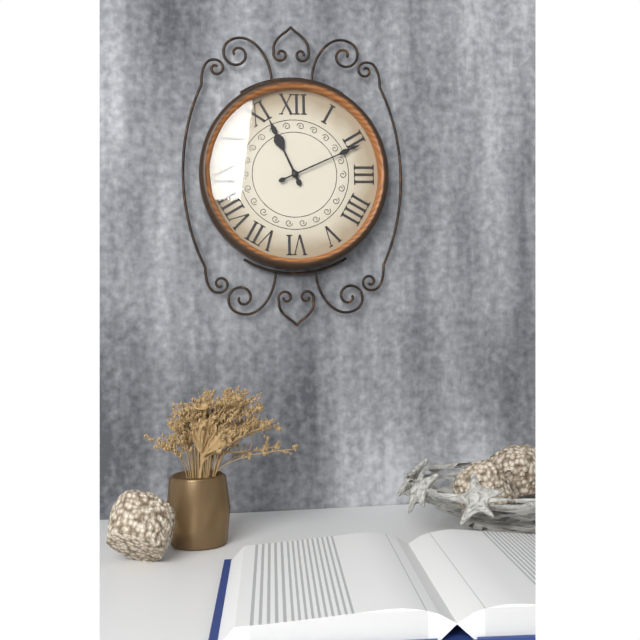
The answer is 11:11
